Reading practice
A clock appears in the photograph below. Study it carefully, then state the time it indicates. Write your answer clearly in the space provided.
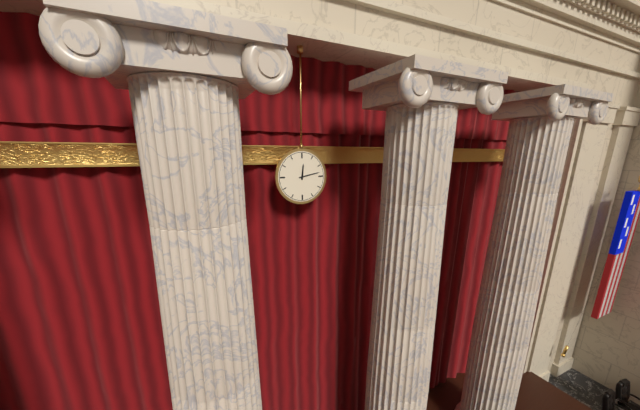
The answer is 12:13
